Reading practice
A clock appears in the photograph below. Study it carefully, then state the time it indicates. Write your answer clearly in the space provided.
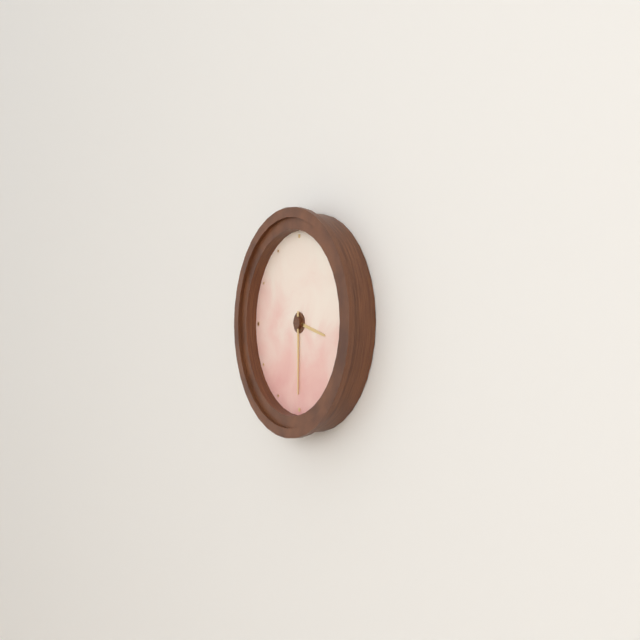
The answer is 3:30
